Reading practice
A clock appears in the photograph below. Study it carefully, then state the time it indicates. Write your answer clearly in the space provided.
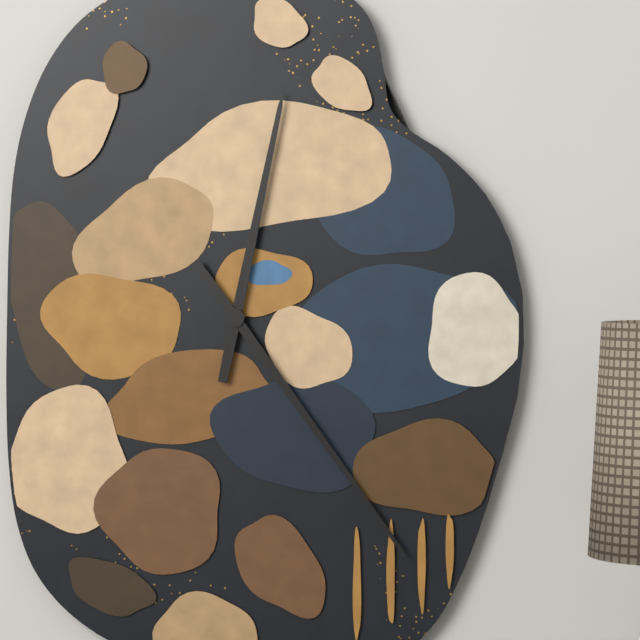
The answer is 12:24
